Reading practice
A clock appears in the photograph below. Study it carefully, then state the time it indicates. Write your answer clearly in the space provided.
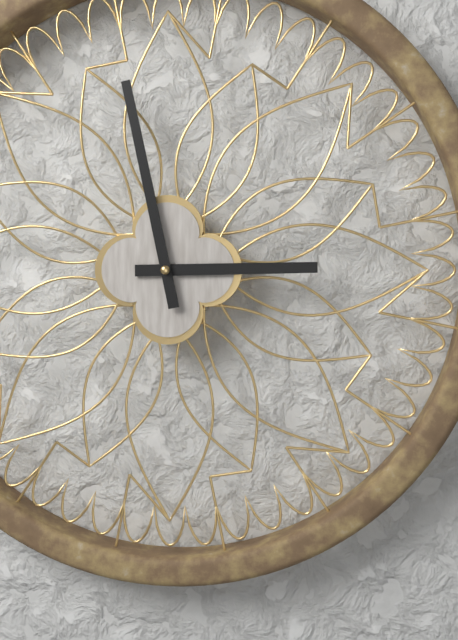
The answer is 2:58
